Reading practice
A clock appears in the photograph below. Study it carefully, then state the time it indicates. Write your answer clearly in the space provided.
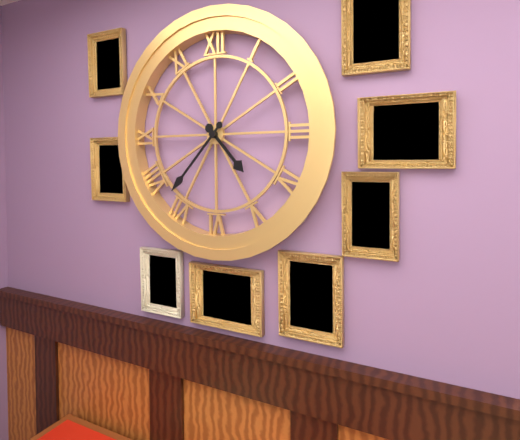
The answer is 4:37
